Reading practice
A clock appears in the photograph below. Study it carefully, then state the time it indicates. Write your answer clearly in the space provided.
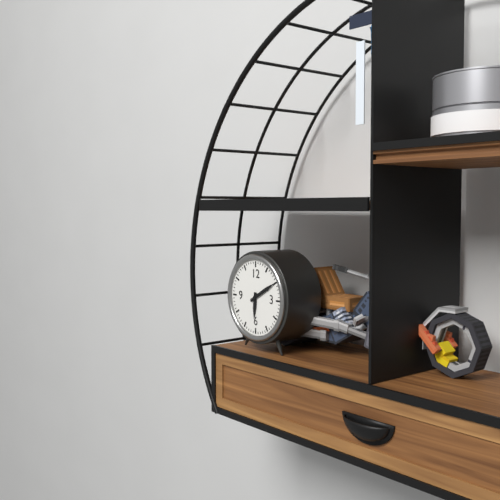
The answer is 6:10
